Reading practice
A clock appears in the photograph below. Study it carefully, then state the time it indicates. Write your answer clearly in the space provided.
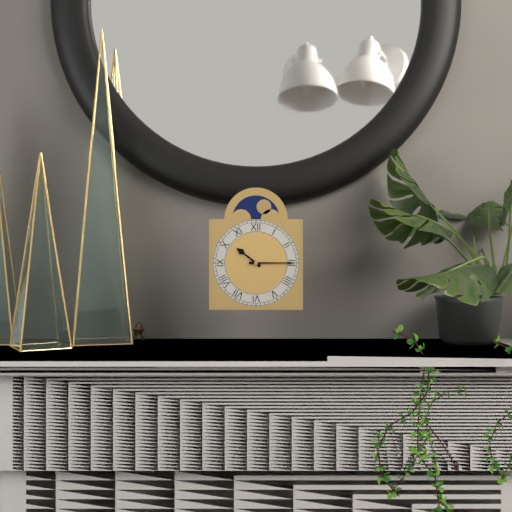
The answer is 10:15
